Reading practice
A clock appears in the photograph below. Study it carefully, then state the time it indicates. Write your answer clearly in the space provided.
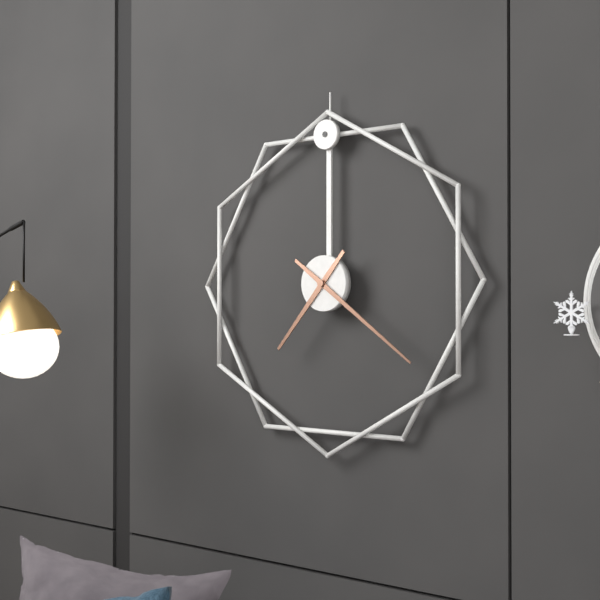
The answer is 7:21
